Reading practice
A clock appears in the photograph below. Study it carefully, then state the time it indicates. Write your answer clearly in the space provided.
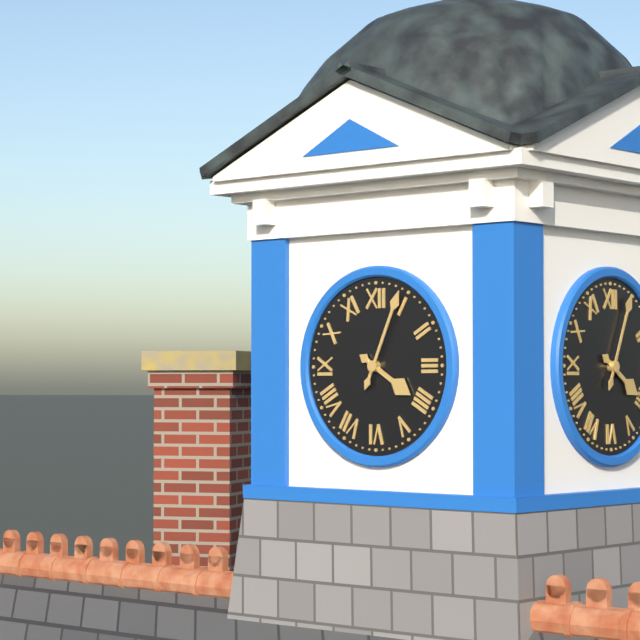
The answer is 4:04
